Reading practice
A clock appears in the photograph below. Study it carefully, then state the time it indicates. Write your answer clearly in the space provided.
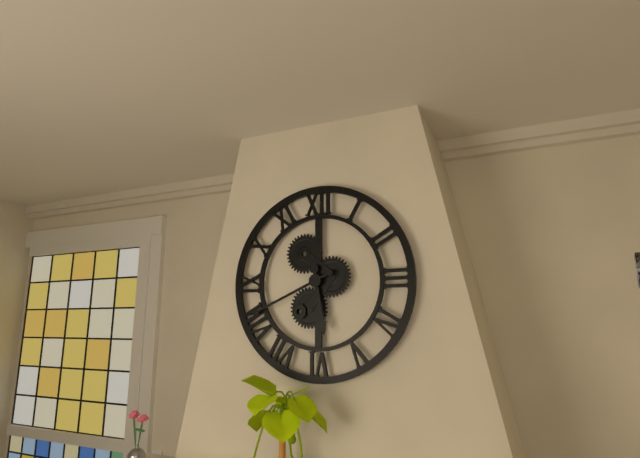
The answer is 5:41
